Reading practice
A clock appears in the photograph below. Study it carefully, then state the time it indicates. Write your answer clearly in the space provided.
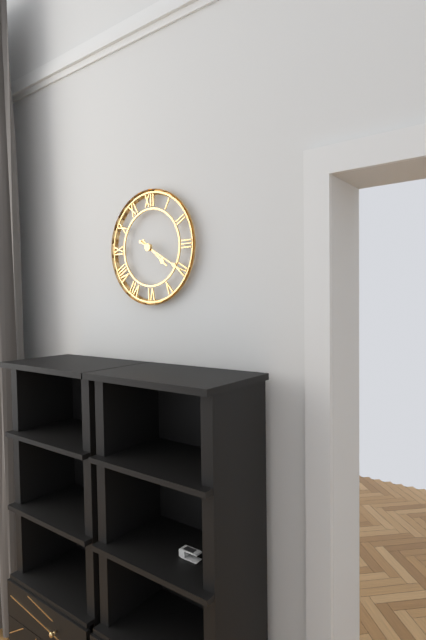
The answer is 4:20
